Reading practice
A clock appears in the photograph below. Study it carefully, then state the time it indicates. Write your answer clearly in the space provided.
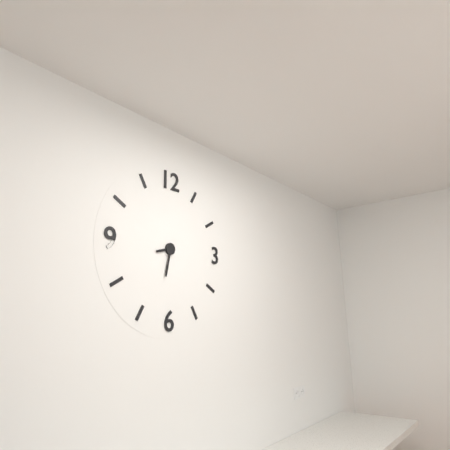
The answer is 8:32
